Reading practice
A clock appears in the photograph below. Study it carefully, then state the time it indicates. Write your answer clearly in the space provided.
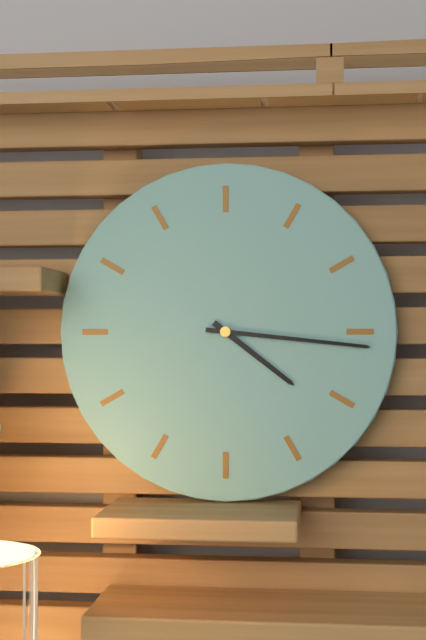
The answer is 4:16
